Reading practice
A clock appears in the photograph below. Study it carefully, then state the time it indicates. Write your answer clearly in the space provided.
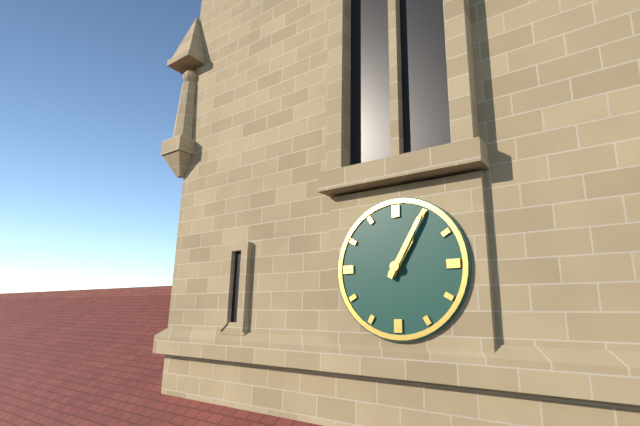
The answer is 1:05
